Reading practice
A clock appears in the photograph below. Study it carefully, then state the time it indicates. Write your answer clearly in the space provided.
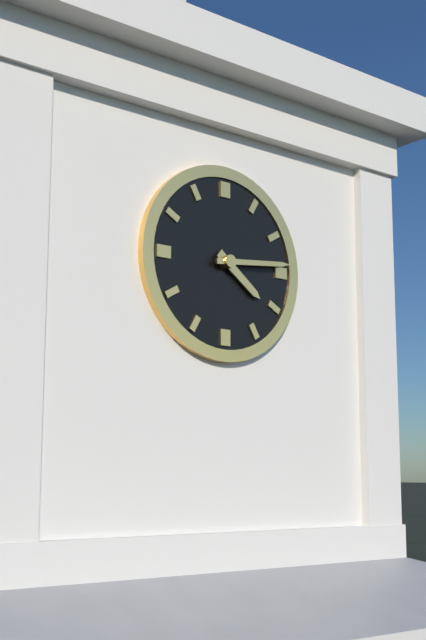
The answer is 4:14
